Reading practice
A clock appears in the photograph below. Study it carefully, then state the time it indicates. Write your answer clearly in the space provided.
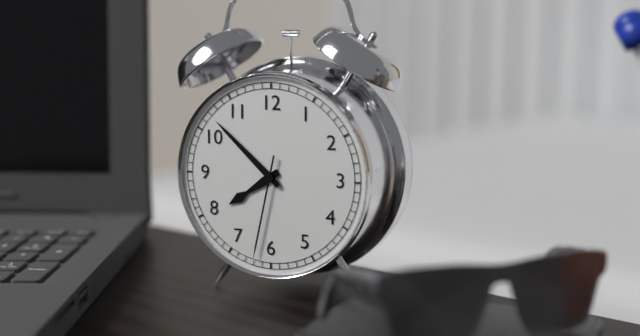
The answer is 7:52:32
